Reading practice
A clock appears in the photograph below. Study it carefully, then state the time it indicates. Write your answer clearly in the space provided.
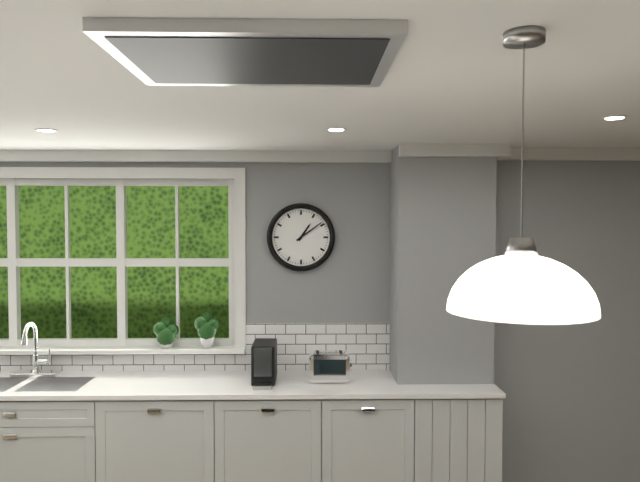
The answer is 1:09
